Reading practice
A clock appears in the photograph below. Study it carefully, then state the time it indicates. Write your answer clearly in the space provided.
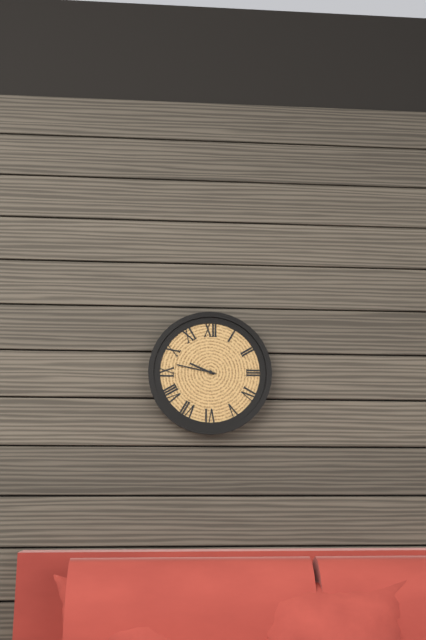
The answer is 9:47
